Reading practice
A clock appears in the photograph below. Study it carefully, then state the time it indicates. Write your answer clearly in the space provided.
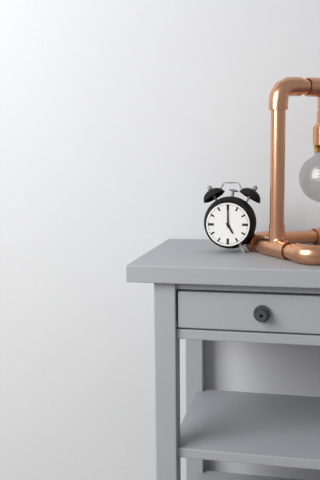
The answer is 5:00
